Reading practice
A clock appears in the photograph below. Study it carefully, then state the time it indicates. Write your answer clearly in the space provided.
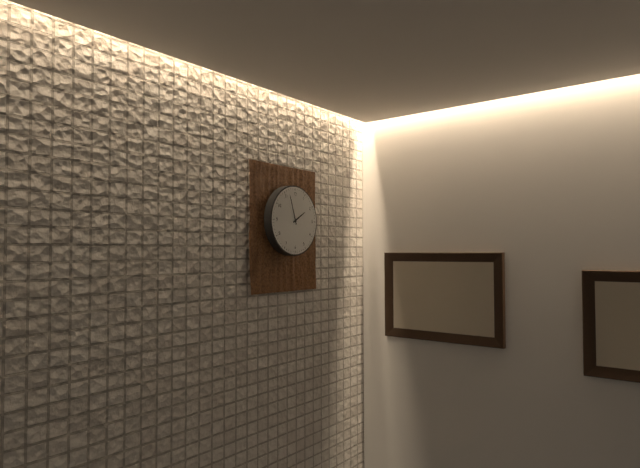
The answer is 1:57
